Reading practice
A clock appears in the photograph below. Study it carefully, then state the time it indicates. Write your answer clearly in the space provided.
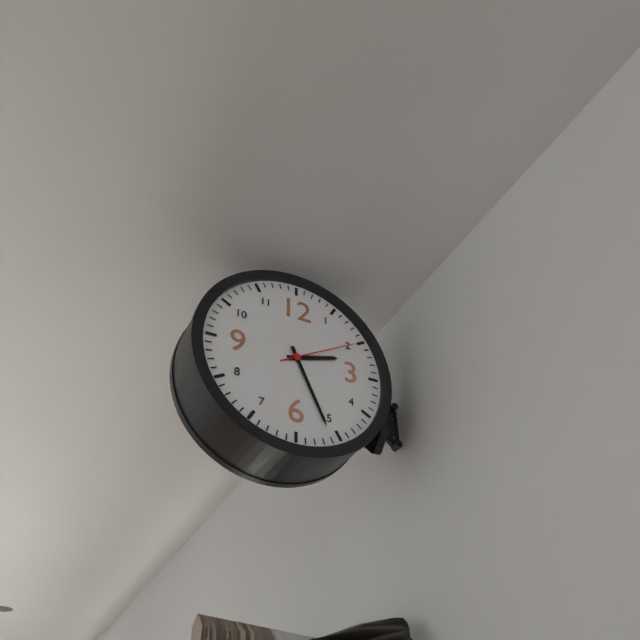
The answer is 2:26:10
